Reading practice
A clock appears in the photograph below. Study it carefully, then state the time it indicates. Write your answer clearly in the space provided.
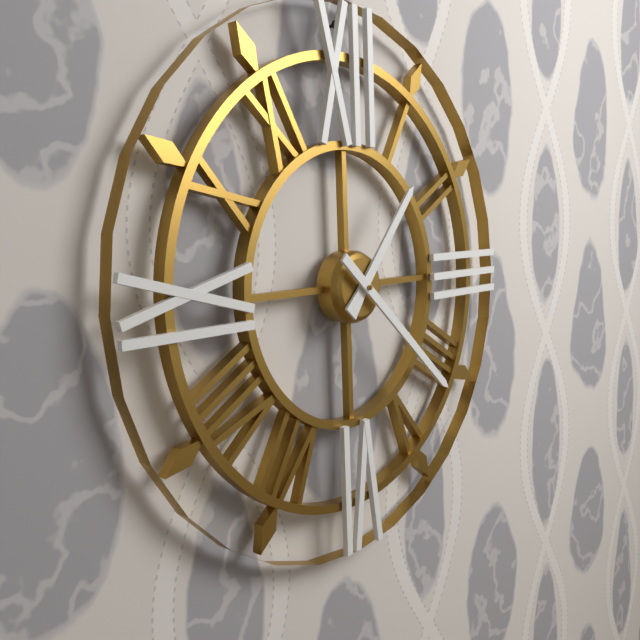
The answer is 1:22
